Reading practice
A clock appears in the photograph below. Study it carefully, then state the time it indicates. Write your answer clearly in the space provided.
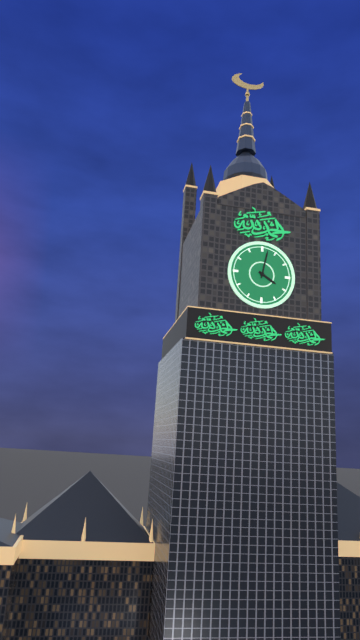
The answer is 4:02
